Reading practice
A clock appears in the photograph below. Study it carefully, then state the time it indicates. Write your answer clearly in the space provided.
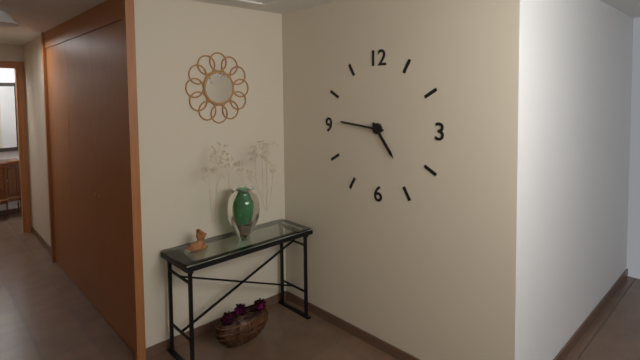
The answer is 4:46
